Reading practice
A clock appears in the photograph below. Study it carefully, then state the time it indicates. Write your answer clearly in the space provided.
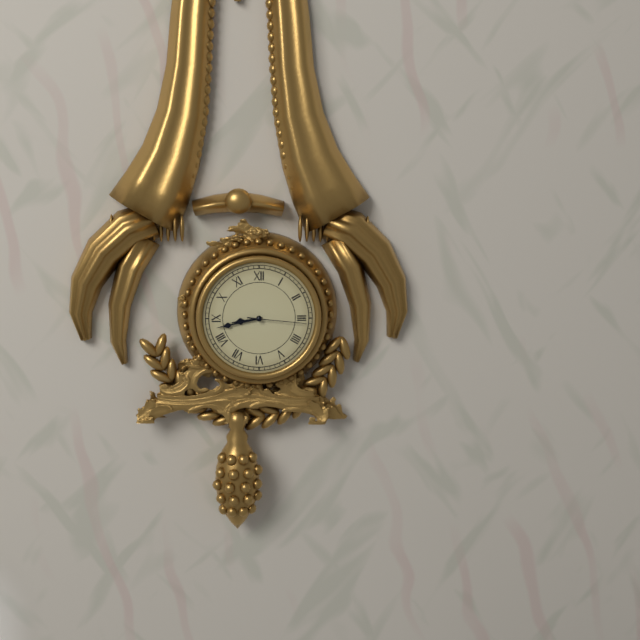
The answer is 8:43:16
